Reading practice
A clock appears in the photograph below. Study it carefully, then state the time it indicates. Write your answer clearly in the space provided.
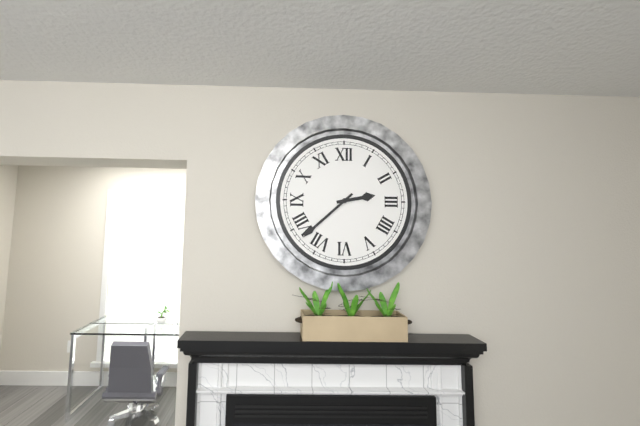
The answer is 2:38
